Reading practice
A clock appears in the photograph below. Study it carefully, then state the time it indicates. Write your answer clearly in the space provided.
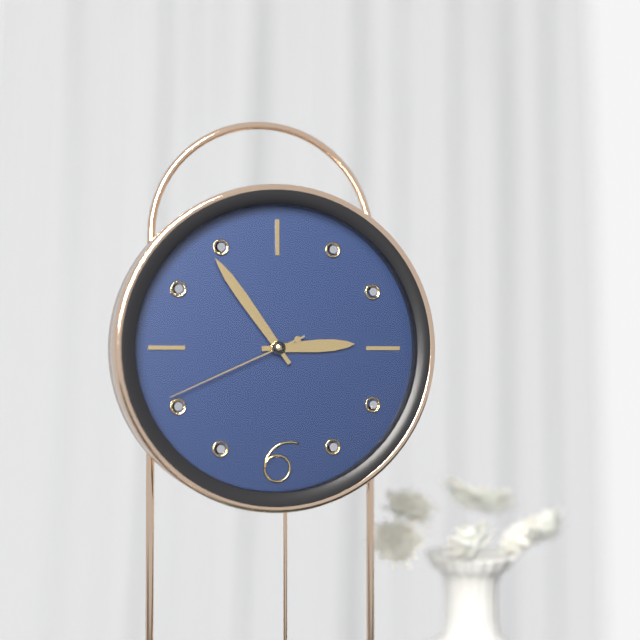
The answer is 2:54:41
